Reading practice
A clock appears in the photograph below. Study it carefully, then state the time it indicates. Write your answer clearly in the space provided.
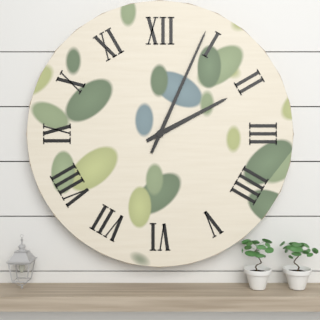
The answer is 2:04
